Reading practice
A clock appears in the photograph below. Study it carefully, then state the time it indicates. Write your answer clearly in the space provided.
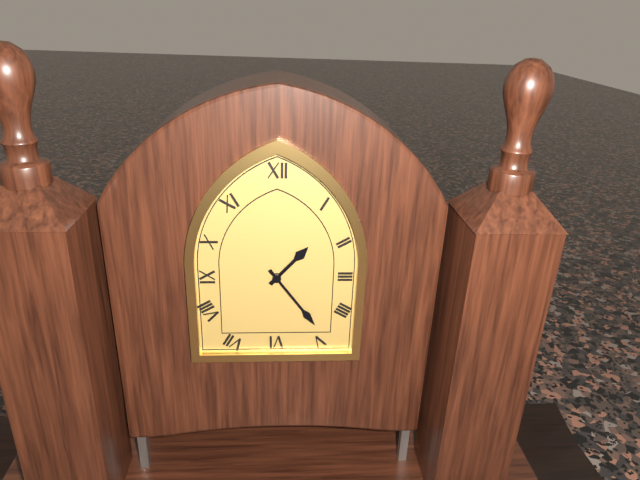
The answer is 1:24
